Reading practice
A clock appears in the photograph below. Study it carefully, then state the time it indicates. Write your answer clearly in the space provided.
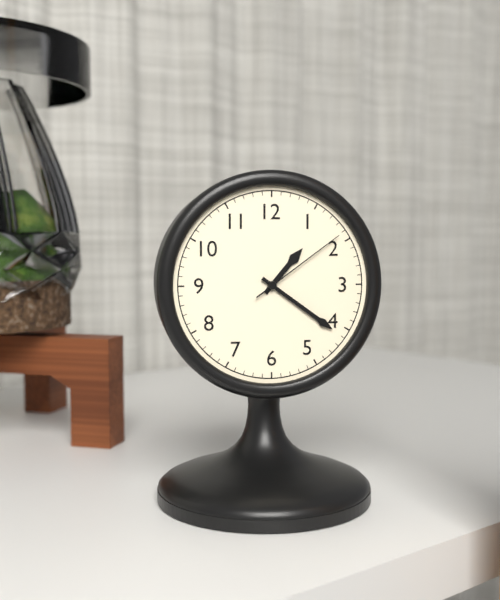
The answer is 1:21:09
